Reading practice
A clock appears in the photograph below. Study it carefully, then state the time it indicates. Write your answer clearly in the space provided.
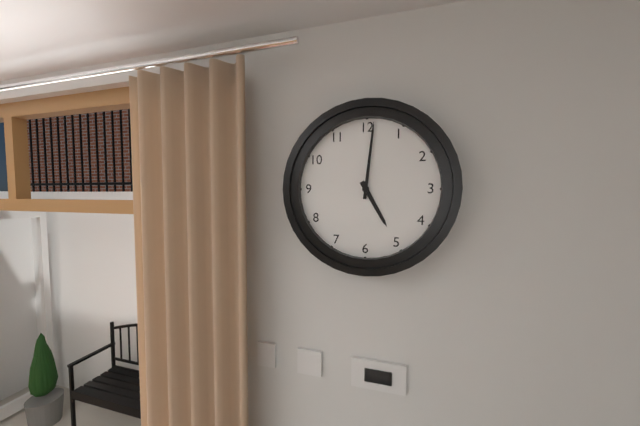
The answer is 5:01
